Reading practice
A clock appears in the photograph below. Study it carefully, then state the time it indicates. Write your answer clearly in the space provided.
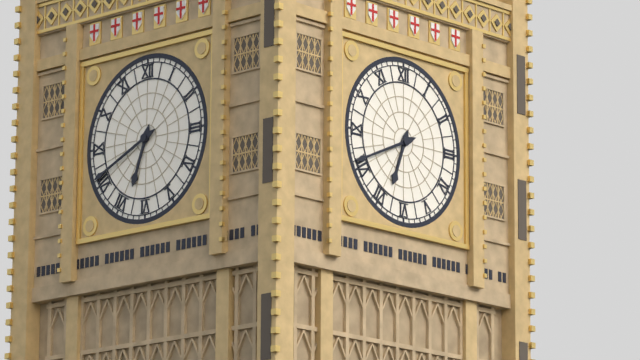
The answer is 6:41
